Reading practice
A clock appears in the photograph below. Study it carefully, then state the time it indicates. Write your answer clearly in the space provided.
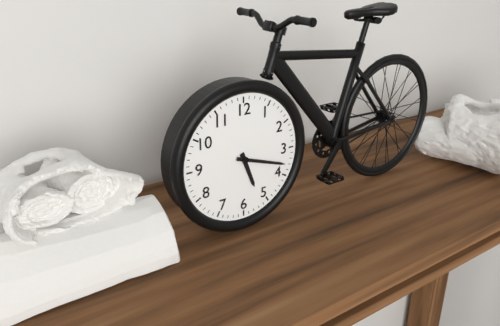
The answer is 5:18
